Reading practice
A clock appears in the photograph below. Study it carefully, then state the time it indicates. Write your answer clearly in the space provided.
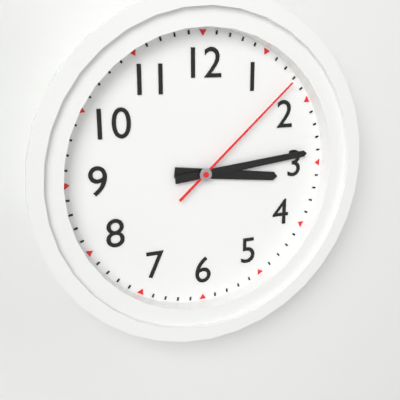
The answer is 3:14:08
